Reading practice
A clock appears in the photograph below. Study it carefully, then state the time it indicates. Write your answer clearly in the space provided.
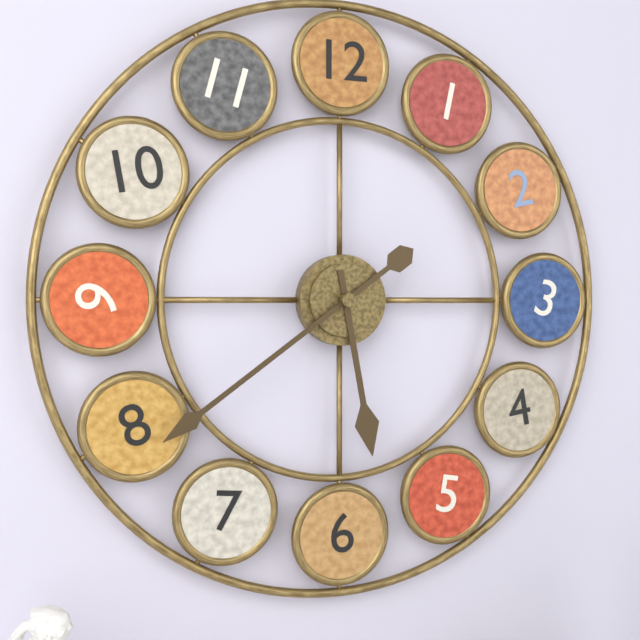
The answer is 5:39
